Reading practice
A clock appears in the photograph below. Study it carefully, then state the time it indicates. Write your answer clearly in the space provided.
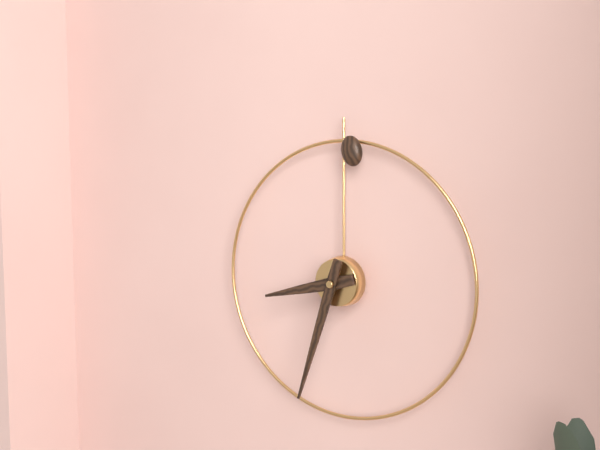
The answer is 8:33
